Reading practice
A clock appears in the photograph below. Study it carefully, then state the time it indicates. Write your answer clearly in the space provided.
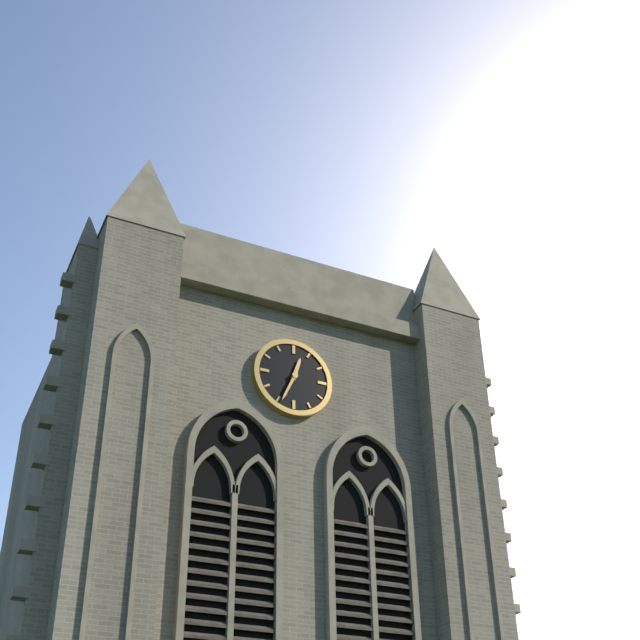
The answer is 12:34
